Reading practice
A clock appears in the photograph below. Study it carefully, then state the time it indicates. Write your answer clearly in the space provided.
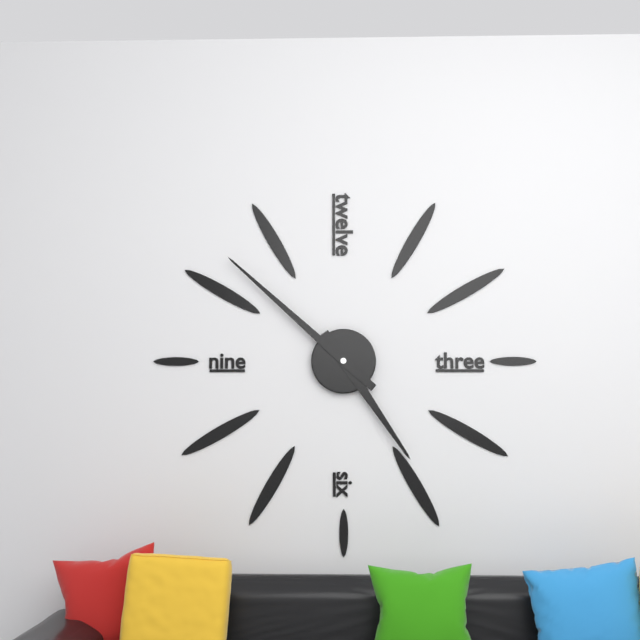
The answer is 4:52
